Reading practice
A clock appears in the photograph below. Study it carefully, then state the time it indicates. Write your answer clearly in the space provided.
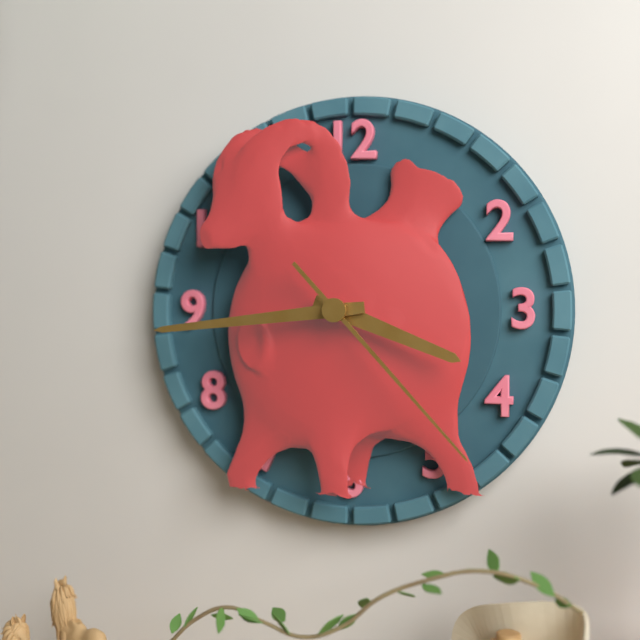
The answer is 3:44:23
